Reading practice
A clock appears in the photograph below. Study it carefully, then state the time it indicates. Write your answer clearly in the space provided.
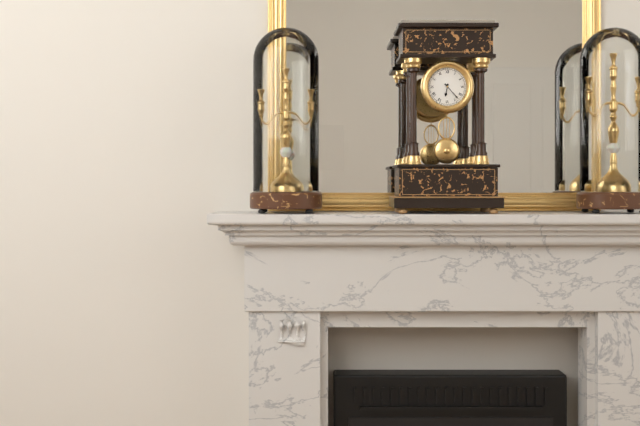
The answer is 6:23
